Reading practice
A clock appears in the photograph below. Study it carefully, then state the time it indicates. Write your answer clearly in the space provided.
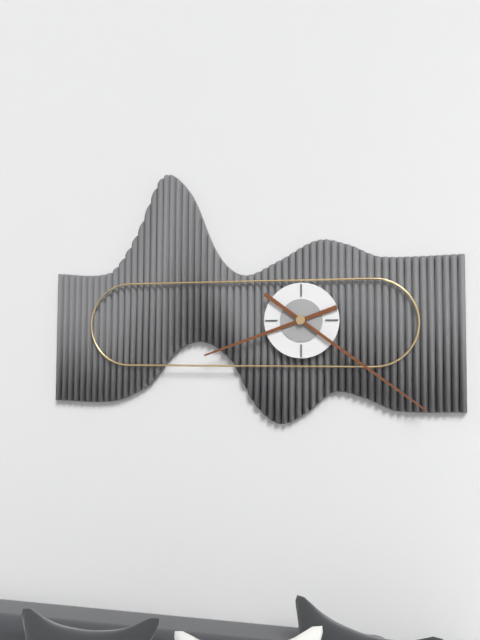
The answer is 8:21
